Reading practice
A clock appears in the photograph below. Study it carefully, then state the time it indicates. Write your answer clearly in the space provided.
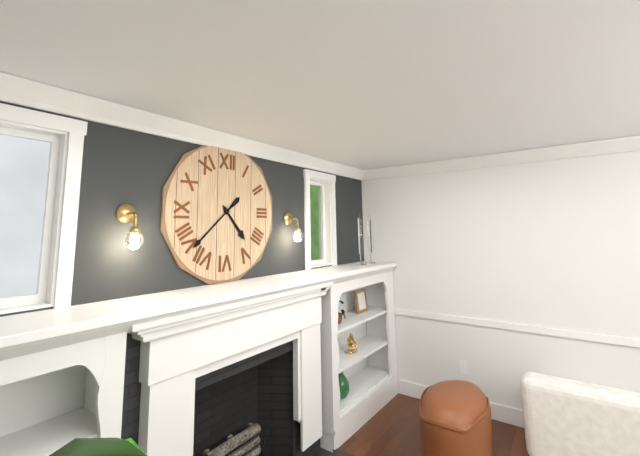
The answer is 4:38
